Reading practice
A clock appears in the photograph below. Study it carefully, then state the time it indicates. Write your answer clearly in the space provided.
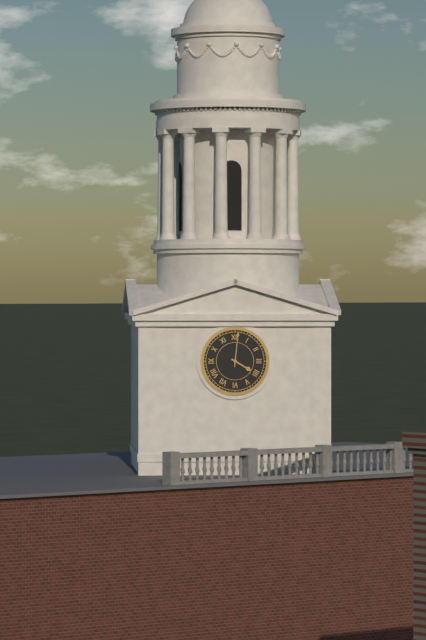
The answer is 4:01
